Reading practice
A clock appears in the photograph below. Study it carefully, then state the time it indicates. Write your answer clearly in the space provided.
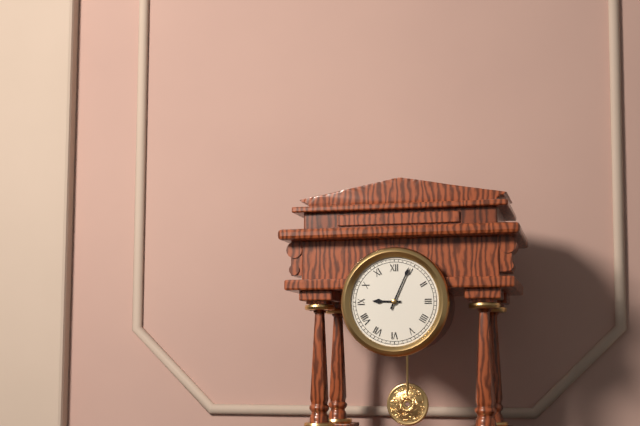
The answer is 9:04
